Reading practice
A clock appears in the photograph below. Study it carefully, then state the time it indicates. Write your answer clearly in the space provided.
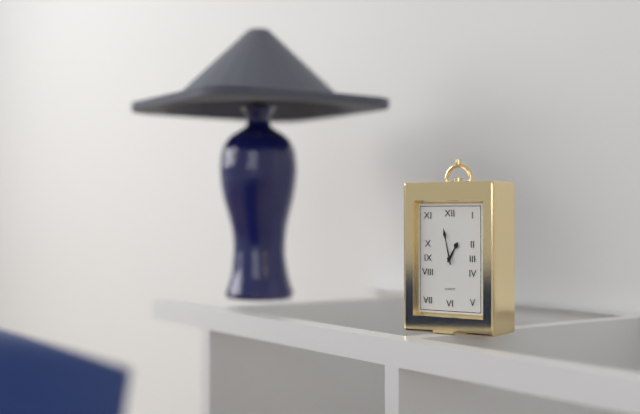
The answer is 12:58
